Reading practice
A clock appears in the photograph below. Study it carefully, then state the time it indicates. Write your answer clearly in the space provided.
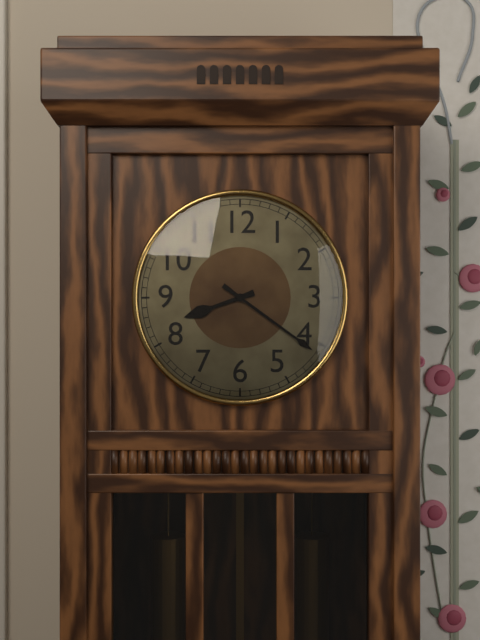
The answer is 8:21
